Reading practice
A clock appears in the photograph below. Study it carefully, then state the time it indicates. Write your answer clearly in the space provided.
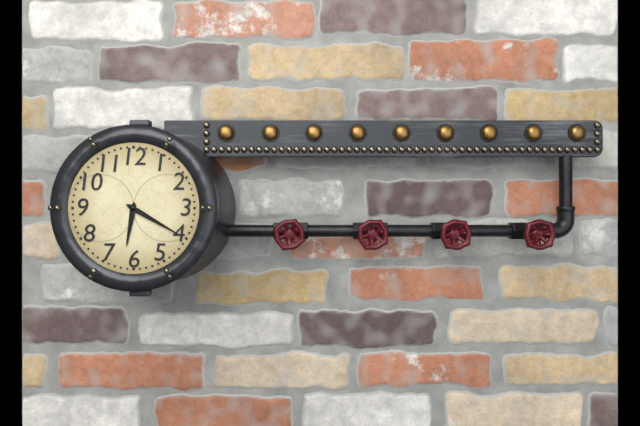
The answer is 6:20
